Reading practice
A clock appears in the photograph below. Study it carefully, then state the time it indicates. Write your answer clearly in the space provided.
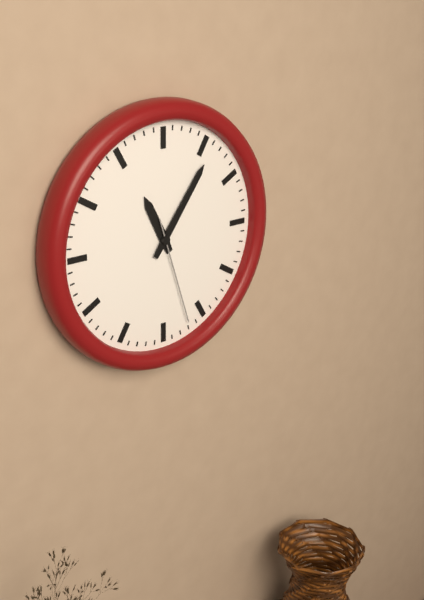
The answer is 11:06:27
